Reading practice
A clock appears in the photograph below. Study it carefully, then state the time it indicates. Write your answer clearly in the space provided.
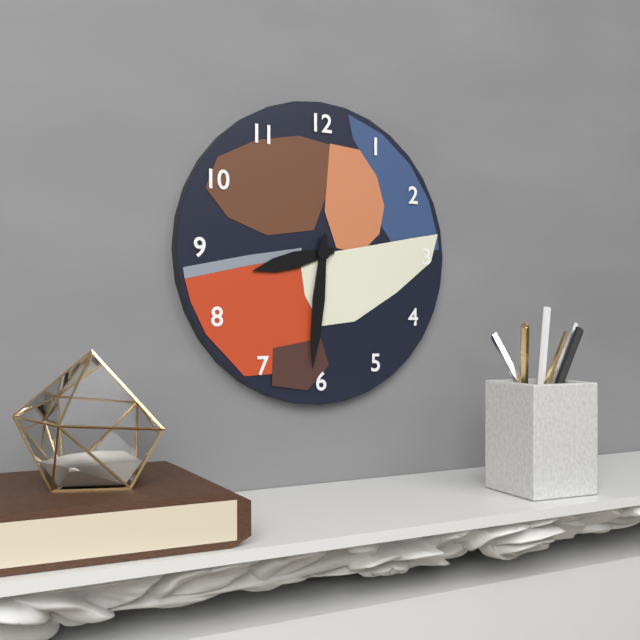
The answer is 8:31
